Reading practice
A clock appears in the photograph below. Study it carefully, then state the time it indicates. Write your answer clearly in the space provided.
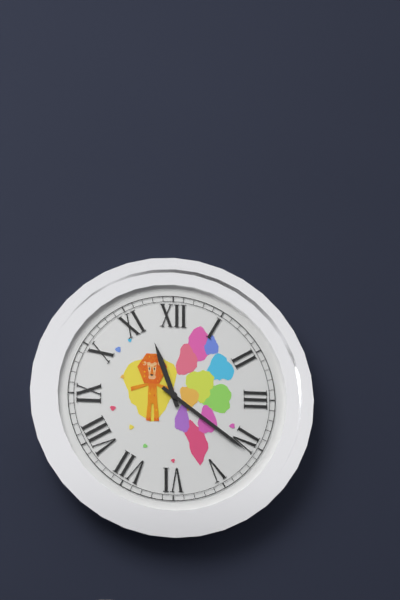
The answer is 11:21
